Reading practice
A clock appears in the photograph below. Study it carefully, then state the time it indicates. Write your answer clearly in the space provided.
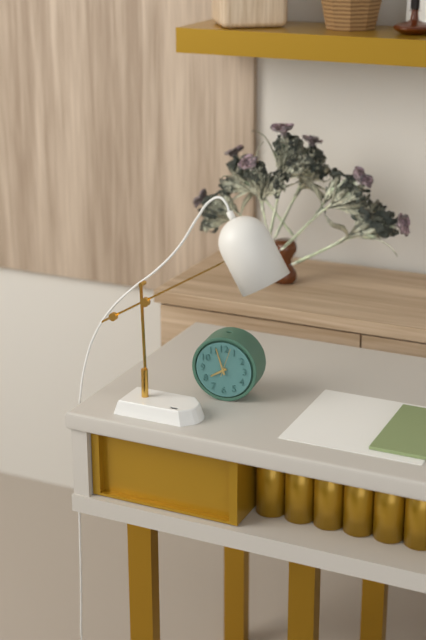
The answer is 7:57
